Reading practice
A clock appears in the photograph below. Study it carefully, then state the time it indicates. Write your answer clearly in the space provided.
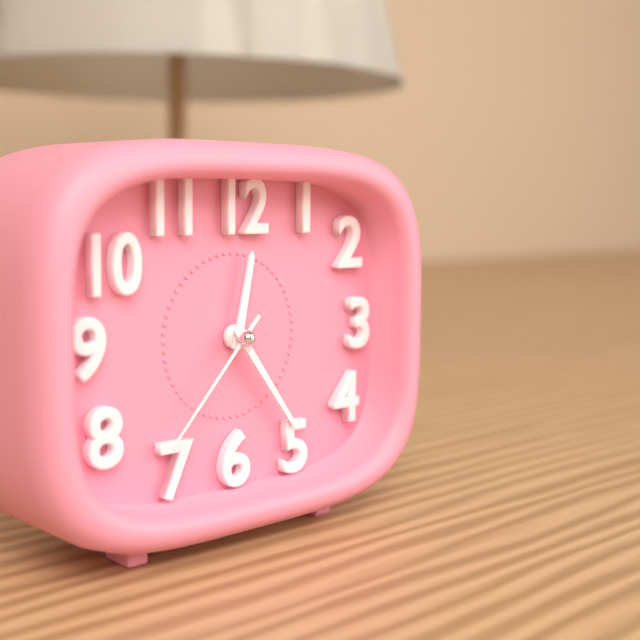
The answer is 12:24:37
